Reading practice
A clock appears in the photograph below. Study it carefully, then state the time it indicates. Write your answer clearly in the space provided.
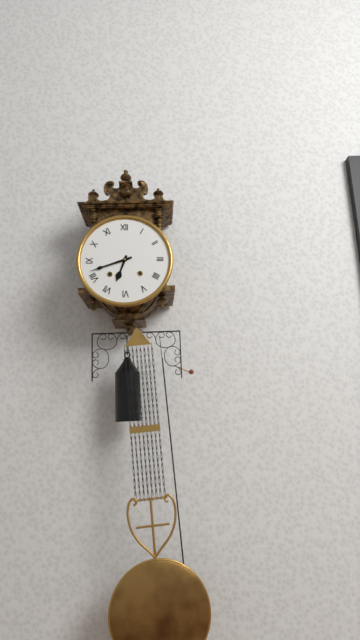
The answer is 6:42
